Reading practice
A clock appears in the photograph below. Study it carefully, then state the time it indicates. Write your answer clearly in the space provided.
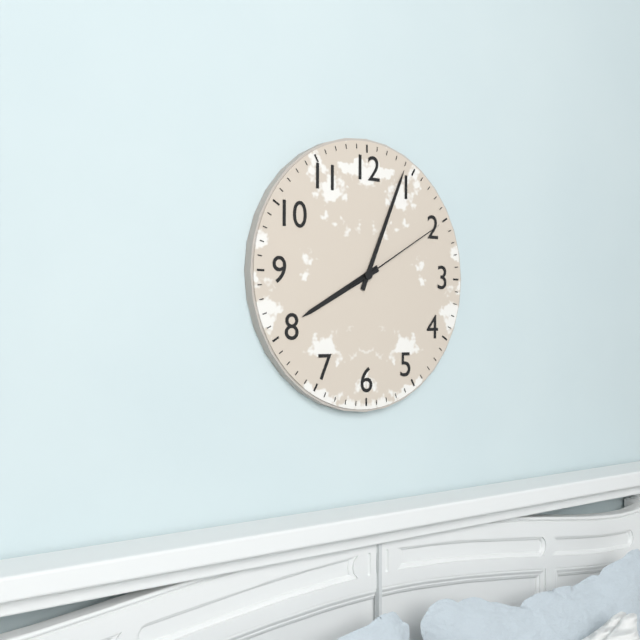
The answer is 8:04:10
